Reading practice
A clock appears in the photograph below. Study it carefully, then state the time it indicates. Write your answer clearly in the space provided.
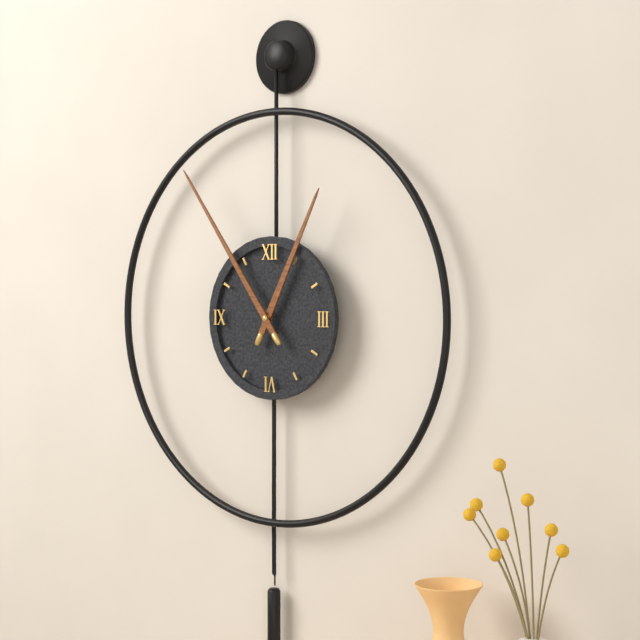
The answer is 12:54
